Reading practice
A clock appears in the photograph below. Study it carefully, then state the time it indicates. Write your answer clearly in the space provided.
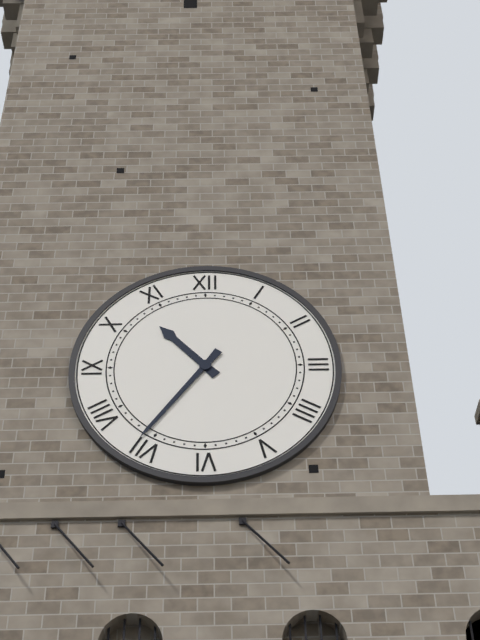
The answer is 10:36
